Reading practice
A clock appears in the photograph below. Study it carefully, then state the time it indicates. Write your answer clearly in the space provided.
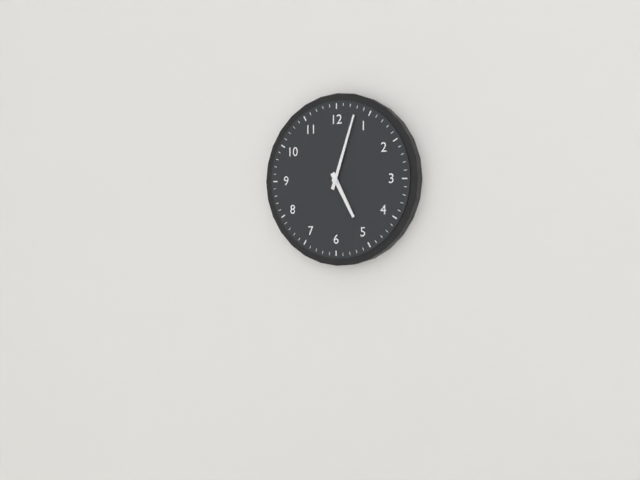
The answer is 5:03
